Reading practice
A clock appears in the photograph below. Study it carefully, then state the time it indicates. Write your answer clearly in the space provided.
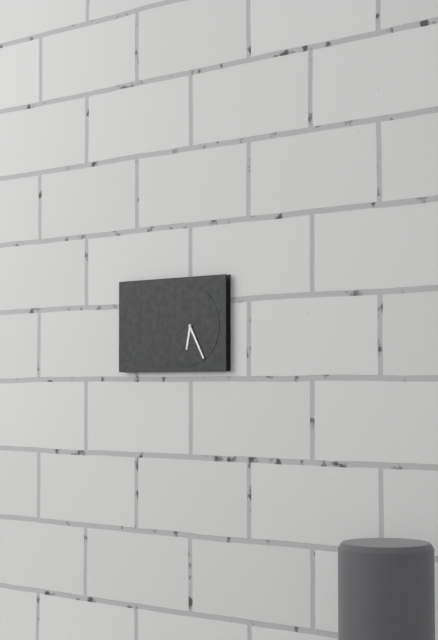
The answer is 6:25
